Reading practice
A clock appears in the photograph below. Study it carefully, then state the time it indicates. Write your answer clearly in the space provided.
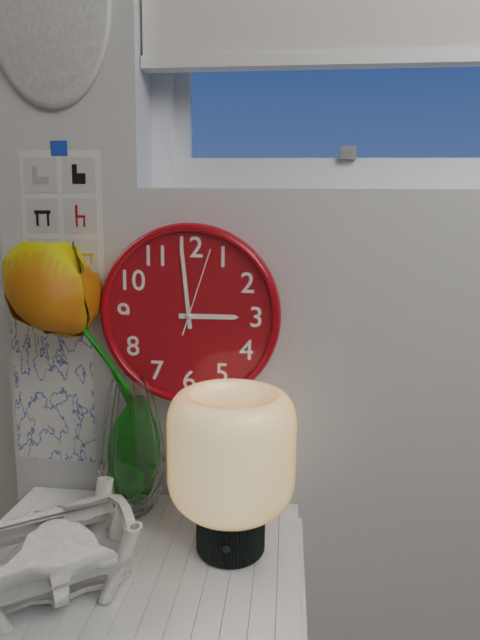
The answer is 2:59:03
